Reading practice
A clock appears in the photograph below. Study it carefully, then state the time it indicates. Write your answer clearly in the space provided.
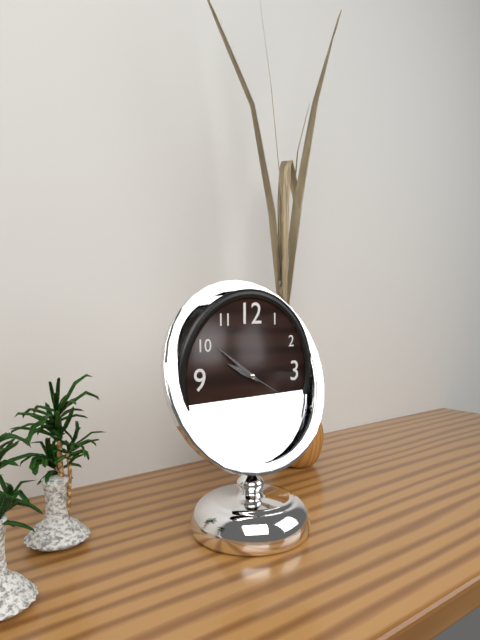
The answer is 9:51:20
